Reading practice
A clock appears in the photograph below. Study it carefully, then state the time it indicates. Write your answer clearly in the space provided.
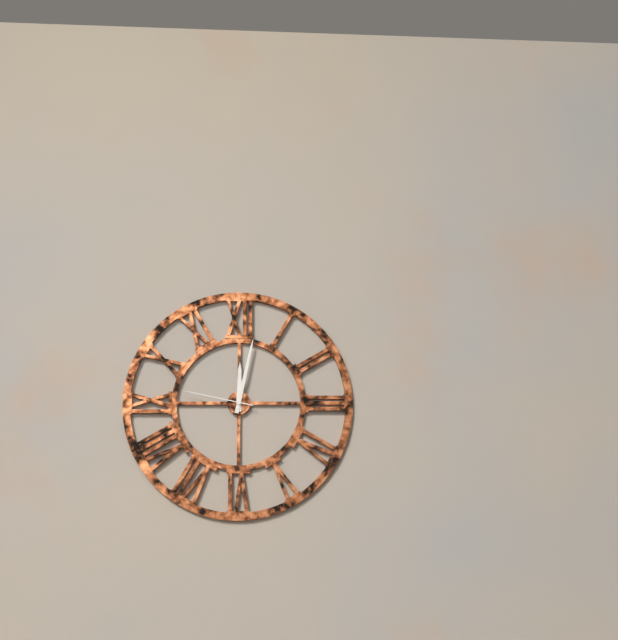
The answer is 12:02:47
